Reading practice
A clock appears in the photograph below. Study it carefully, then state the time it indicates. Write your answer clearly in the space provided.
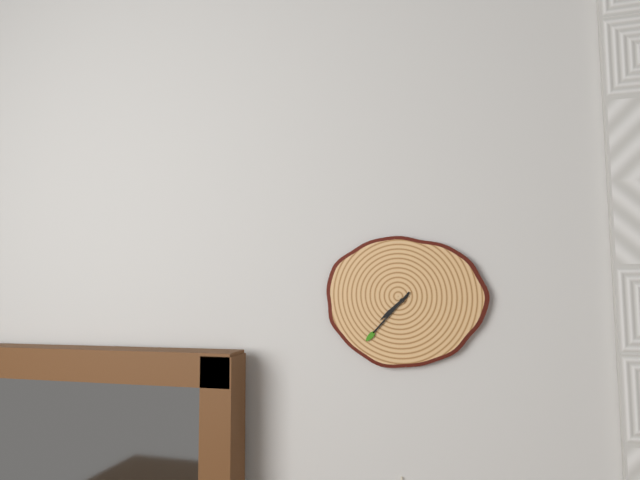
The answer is 7:37
